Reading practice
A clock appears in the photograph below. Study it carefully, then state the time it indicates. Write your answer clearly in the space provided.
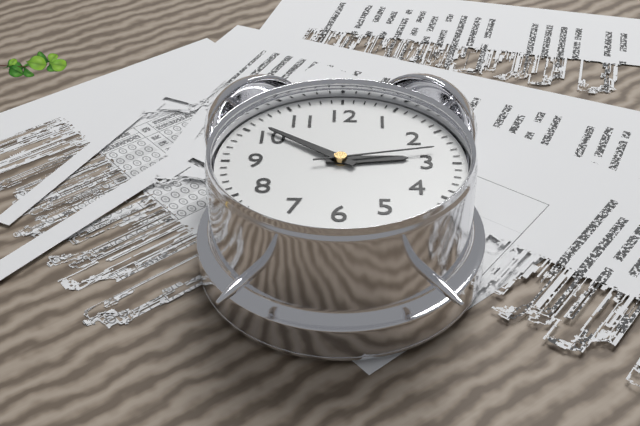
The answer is 2:51:13
